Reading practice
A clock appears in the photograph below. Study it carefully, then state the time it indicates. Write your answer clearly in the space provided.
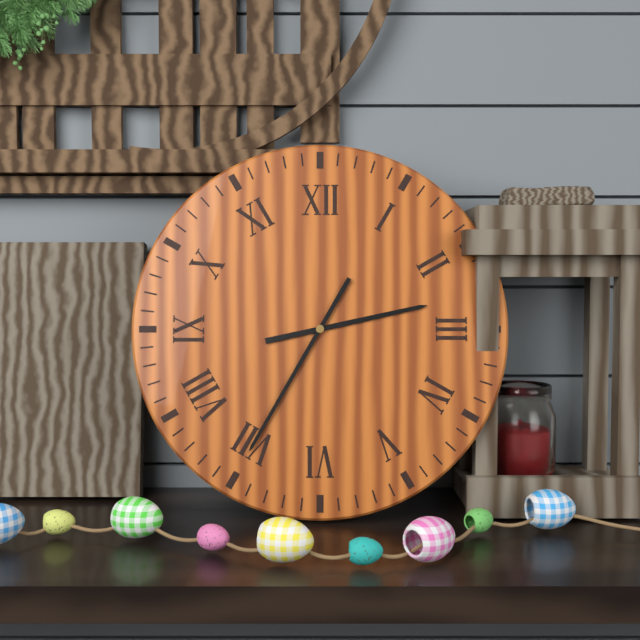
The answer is 2:35
